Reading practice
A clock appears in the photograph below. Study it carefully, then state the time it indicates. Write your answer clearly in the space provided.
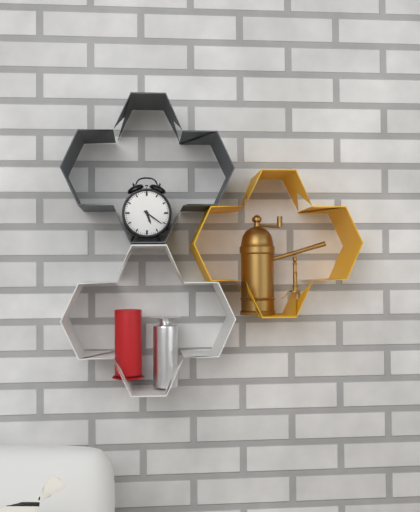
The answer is 5:21
